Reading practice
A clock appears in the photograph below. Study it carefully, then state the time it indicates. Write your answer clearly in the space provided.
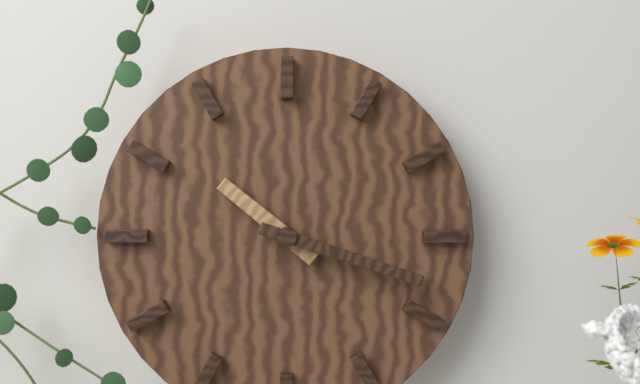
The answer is 10:18
